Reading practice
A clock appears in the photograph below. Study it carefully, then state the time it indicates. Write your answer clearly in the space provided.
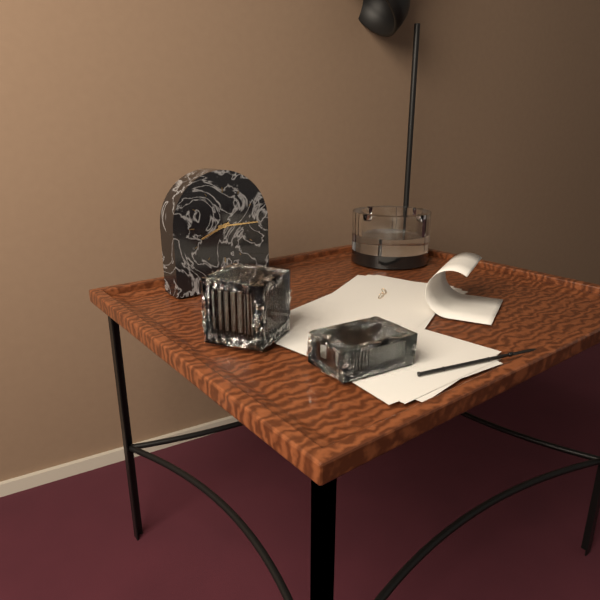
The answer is 8:15
